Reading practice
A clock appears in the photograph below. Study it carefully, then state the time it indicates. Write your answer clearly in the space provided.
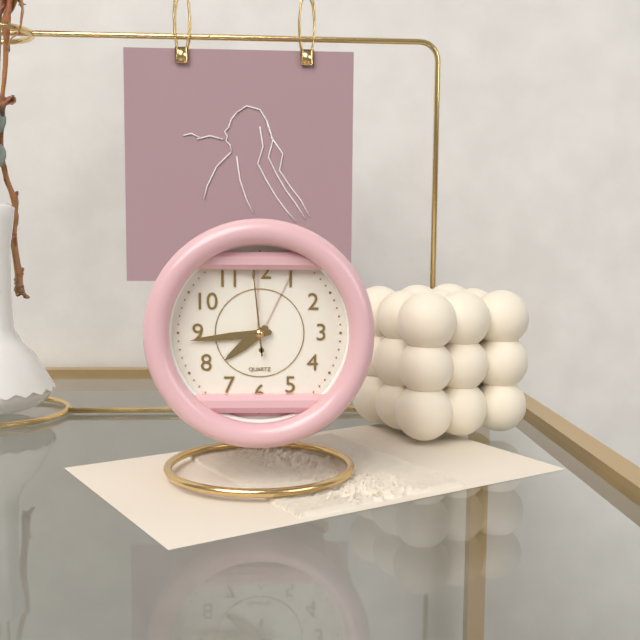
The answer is 7:44:59
